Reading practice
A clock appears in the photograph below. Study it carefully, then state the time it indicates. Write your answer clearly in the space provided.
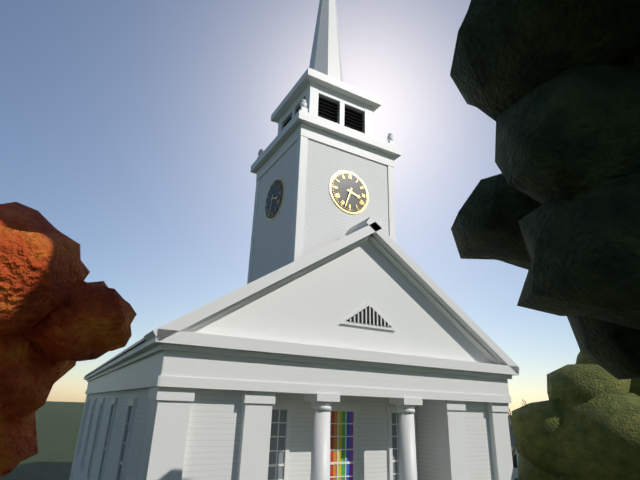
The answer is 3:33
